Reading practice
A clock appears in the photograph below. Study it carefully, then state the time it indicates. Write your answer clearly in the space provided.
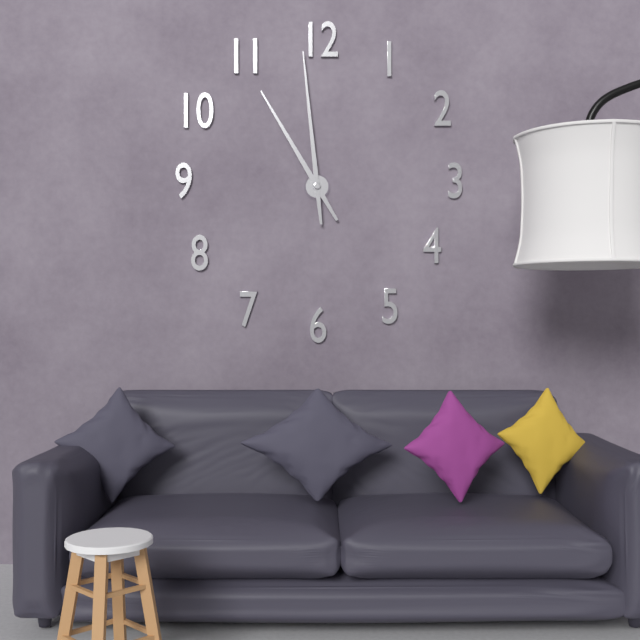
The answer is 10:59
